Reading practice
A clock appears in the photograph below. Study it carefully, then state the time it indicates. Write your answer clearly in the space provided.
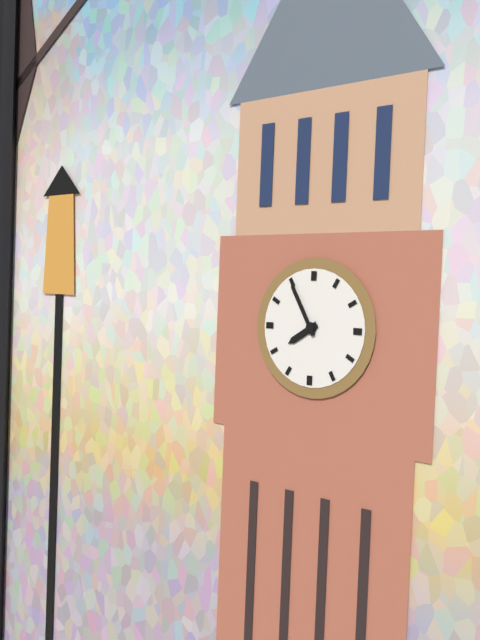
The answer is 7:55
